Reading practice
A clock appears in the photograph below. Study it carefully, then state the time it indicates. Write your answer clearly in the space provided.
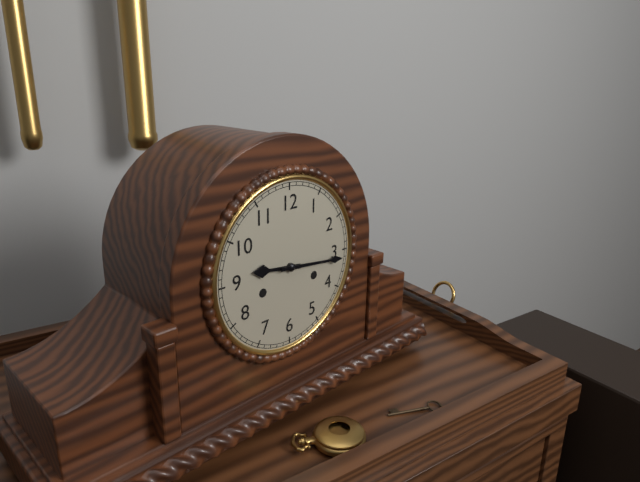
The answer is 9:16
